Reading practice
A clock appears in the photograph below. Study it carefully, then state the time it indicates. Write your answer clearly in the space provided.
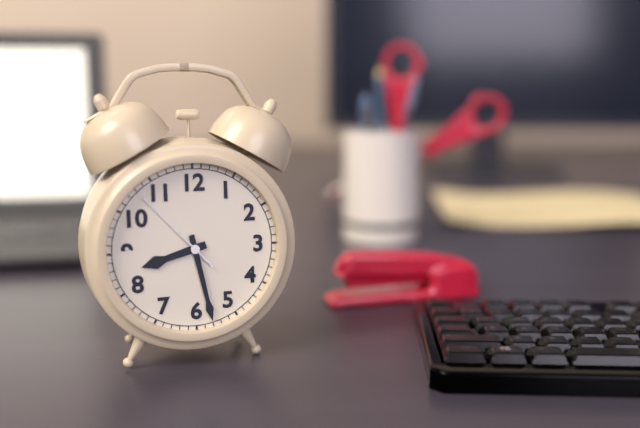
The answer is 8:28:53
